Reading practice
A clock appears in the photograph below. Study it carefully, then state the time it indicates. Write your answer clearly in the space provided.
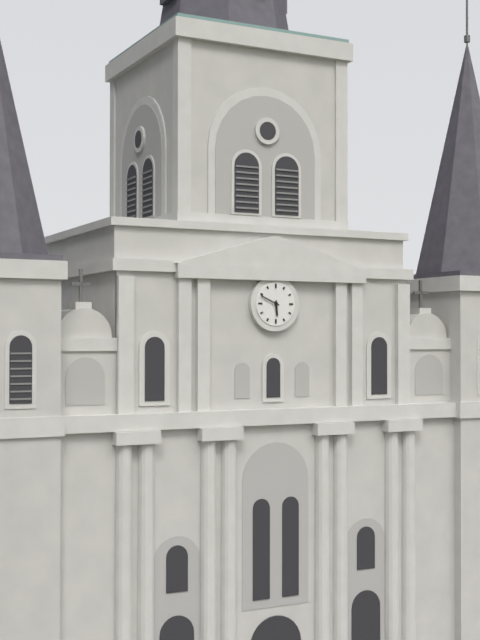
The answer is 5:49
